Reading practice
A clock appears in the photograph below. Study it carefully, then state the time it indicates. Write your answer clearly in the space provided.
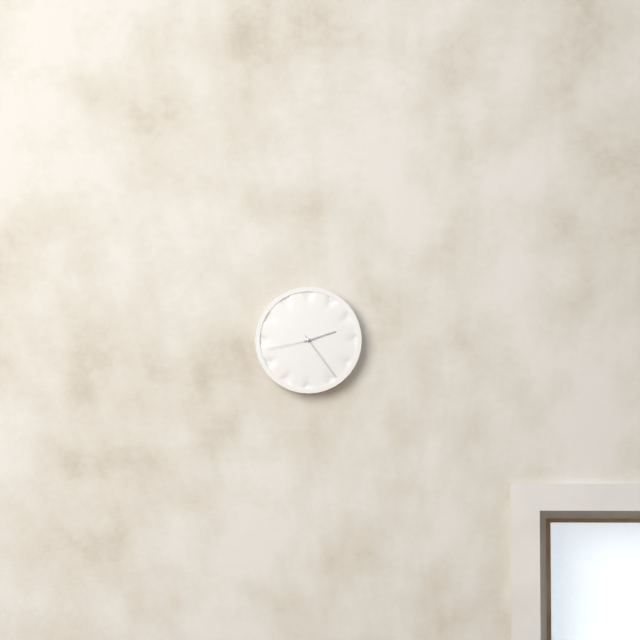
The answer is 2:24:43
